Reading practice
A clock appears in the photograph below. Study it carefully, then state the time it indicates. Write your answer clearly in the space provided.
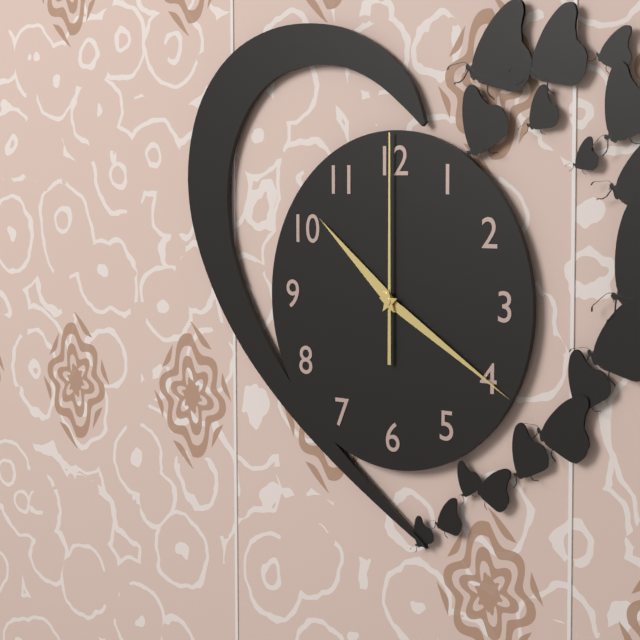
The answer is 10:20:00
